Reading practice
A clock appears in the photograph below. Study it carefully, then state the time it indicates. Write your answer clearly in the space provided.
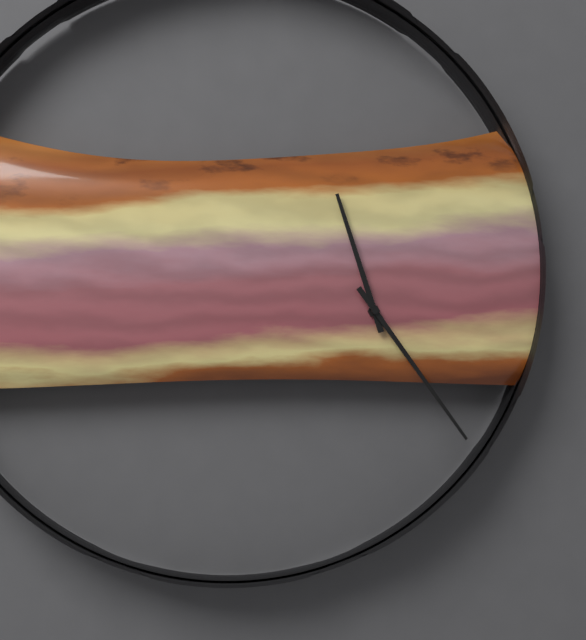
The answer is 11:24
